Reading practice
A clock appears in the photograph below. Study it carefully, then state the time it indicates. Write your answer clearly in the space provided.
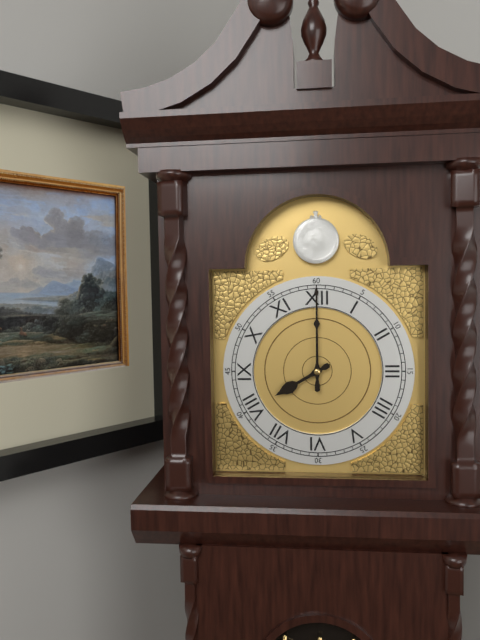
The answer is 8:00
